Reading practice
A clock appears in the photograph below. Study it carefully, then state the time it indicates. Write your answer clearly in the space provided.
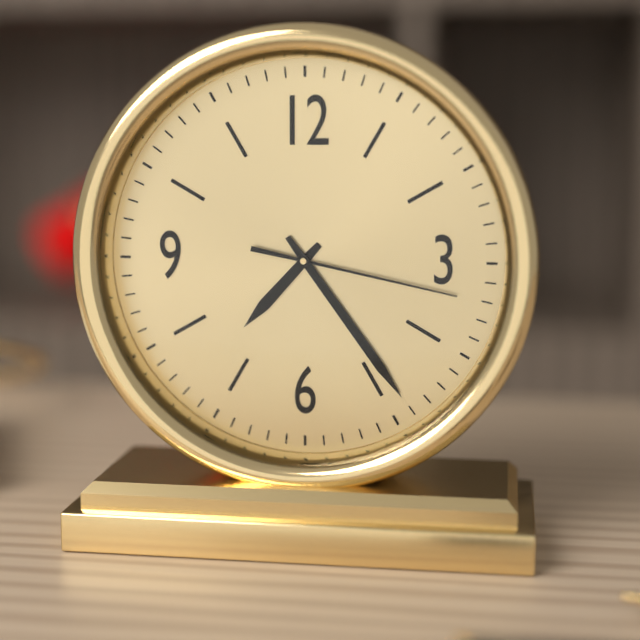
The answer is 7:24:17
